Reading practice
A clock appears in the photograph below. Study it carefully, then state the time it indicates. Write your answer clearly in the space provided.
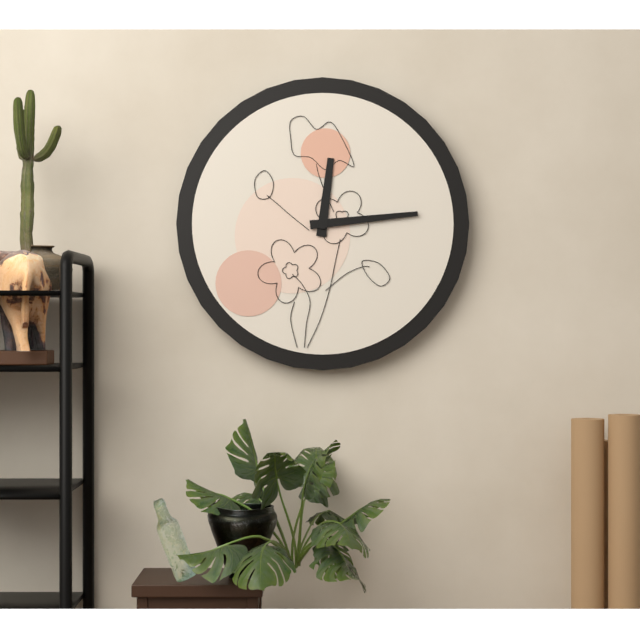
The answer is 12:14
